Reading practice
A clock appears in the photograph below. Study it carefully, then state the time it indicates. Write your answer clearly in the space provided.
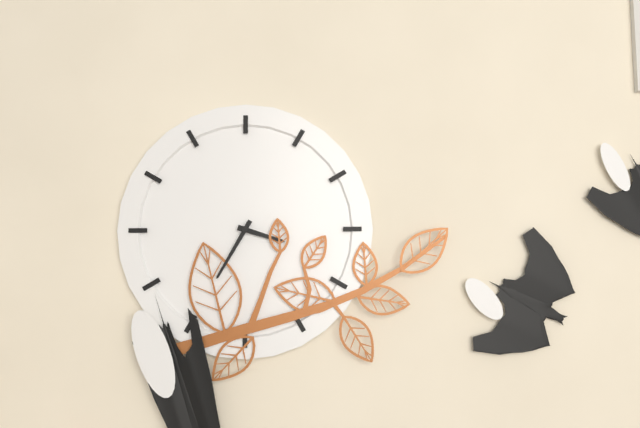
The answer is 3:35
